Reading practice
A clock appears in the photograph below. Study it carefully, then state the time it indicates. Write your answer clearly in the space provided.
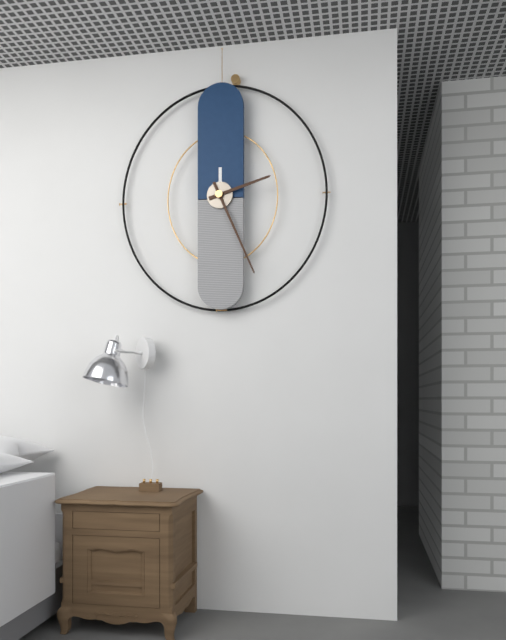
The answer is 2:26
